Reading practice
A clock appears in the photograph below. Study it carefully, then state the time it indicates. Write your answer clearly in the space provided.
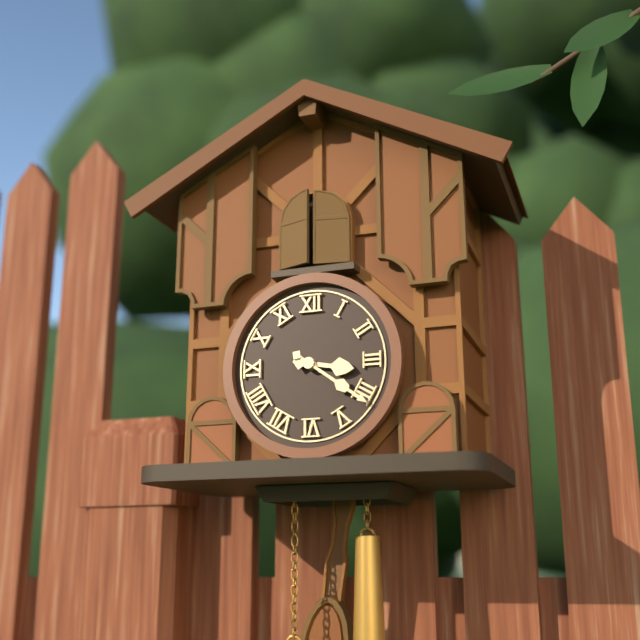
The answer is 3:21
